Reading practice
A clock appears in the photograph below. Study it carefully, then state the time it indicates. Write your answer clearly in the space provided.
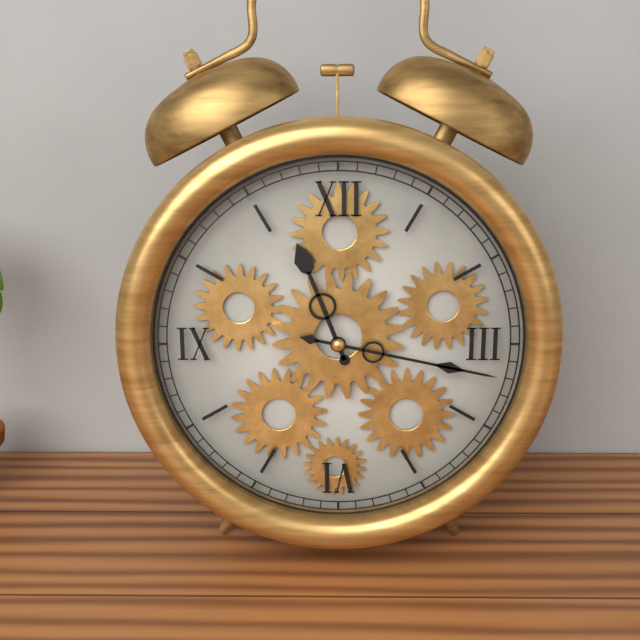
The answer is 11:17
